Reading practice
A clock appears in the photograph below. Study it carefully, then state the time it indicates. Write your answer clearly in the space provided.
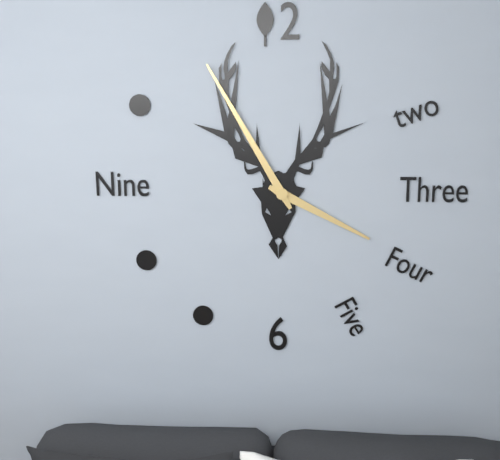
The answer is 3:55
